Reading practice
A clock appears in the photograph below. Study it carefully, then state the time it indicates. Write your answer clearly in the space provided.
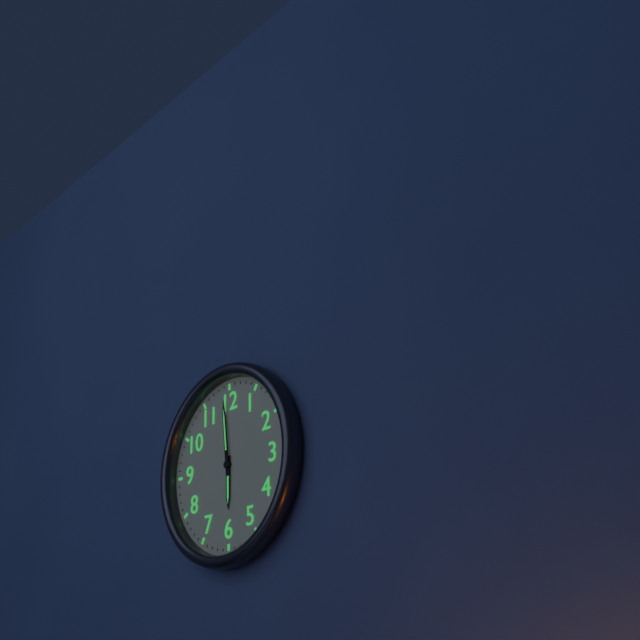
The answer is 5:59
